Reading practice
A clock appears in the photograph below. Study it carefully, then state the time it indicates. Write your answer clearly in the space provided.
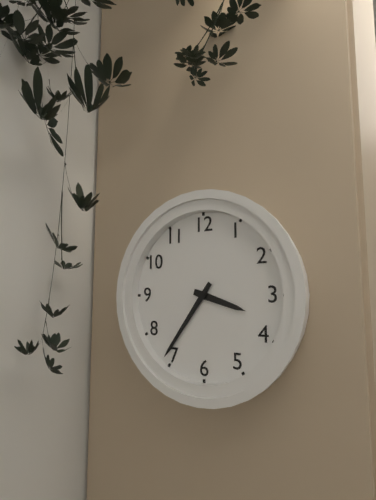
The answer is 3:36
